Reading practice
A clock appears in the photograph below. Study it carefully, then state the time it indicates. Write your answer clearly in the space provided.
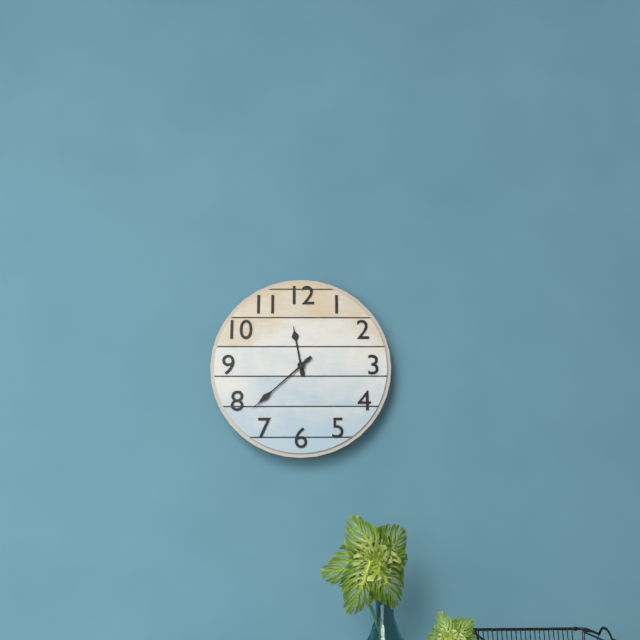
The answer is 11:38
